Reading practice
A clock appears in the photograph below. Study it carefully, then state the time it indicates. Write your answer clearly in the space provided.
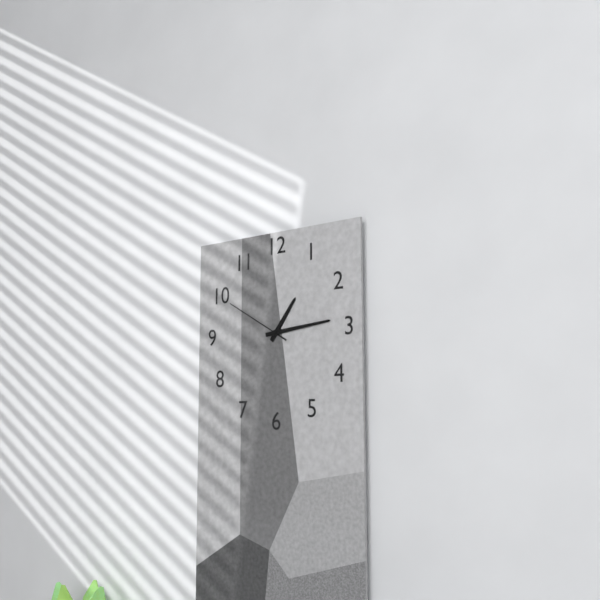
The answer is 1:14:50
